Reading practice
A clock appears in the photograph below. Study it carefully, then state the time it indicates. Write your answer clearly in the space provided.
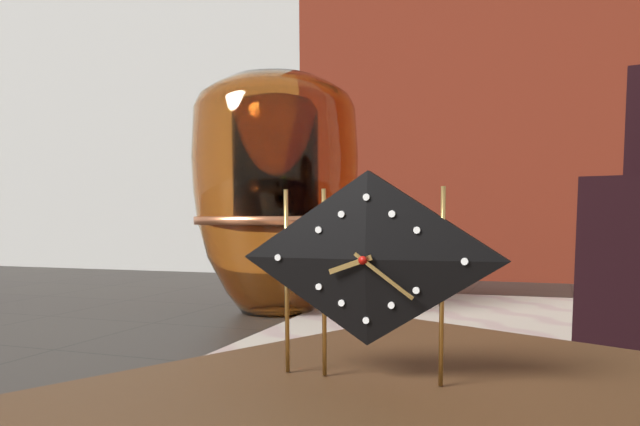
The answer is 8:21
